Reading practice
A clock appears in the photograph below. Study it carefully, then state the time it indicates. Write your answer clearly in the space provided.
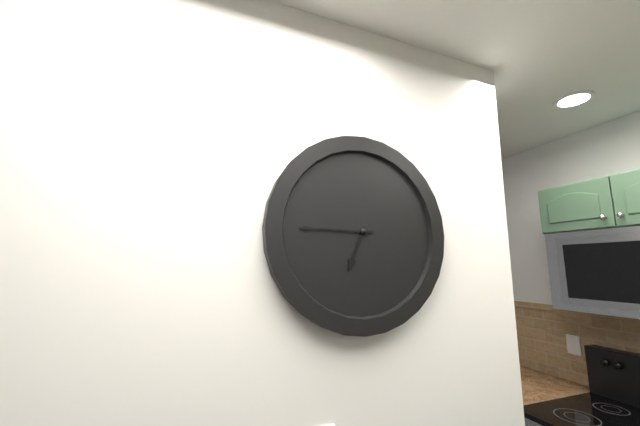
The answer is 6:45
